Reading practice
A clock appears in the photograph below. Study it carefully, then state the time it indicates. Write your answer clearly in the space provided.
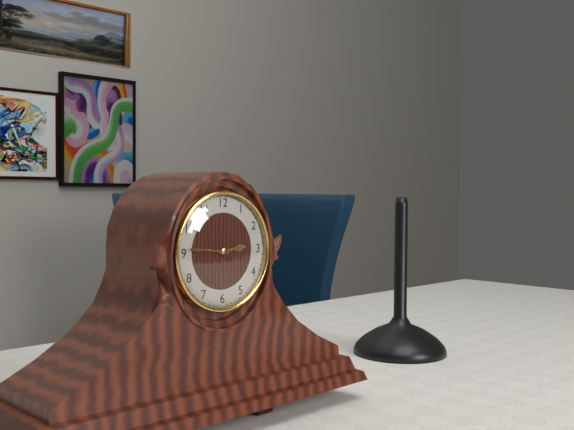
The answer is 2:46
